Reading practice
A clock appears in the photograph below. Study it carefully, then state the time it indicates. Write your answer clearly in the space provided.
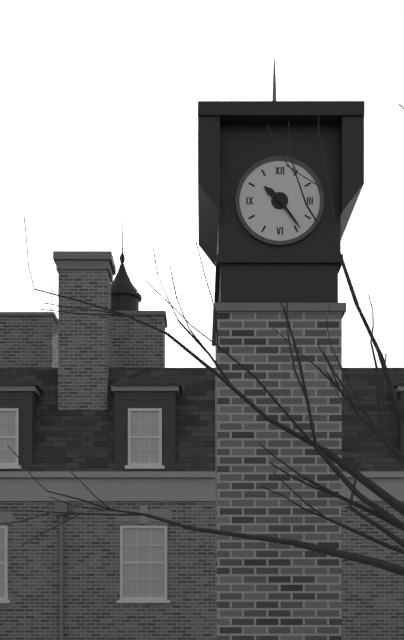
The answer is 10:24
